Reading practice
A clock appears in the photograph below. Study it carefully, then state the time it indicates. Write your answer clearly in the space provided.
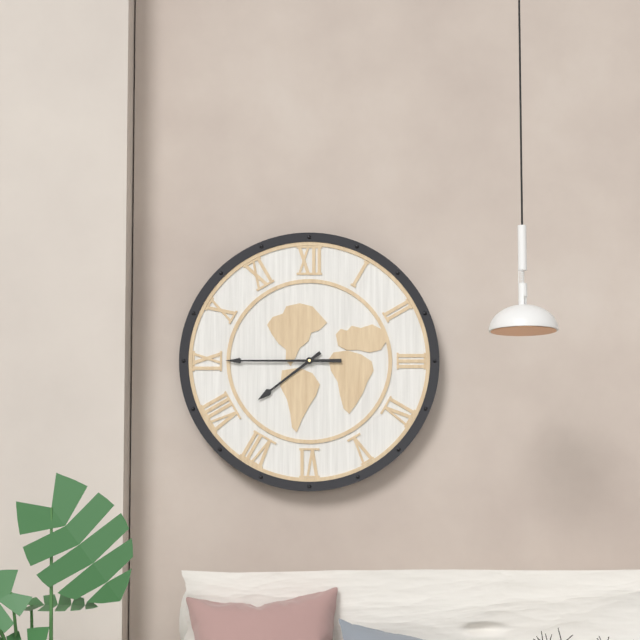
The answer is 7:45
